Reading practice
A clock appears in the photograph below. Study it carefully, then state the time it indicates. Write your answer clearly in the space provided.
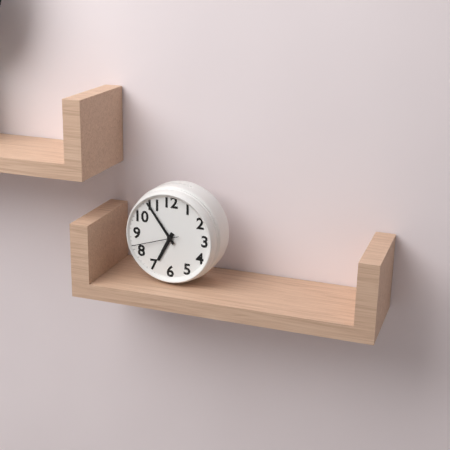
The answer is 6:54
